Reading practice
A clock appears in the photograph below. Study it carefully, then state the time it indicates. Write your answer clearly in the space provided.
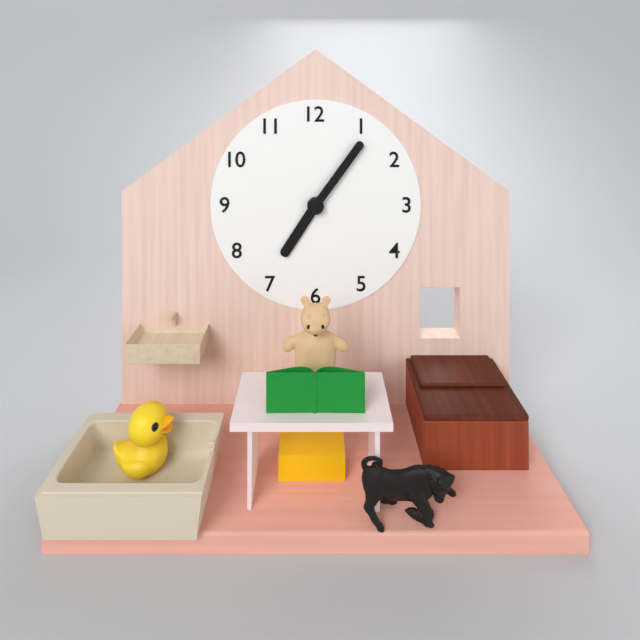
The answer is 7:06
